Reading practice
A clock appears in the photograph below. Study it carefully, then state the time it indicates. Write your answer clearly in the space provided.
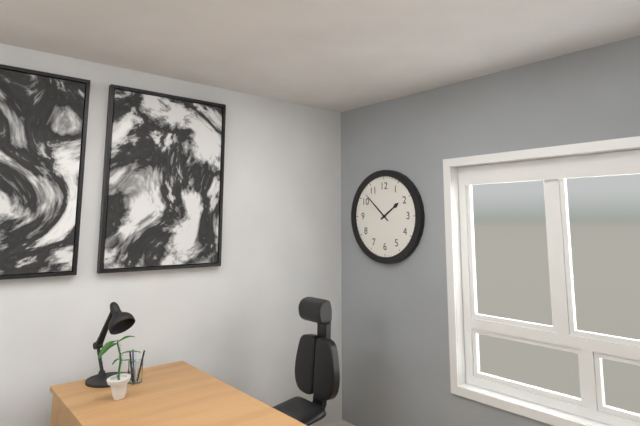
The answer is 1:52
